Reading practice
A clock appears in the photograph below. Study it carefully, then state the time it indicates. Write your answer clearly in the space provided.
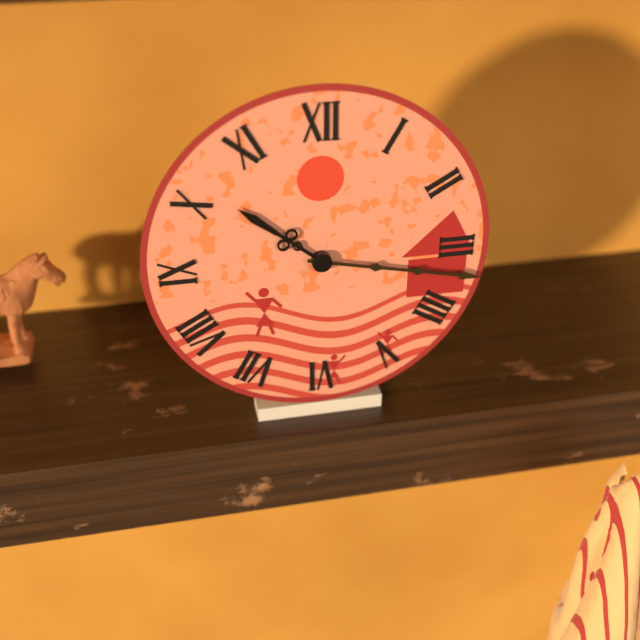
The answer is 10:17
